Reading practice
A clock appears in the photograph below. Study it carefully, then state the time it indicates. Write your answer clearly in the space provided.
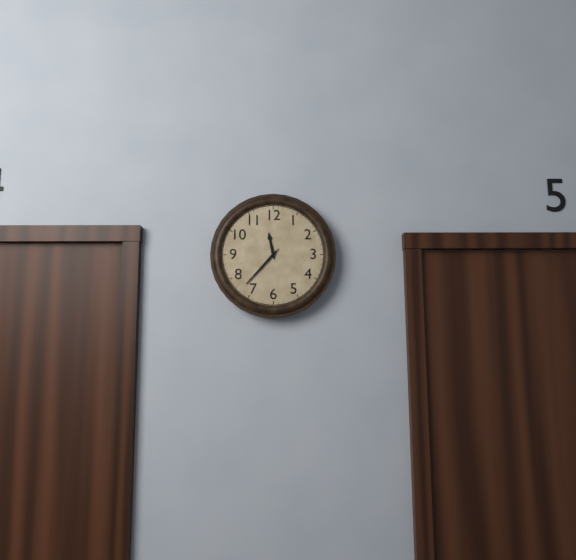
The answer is 11:37
